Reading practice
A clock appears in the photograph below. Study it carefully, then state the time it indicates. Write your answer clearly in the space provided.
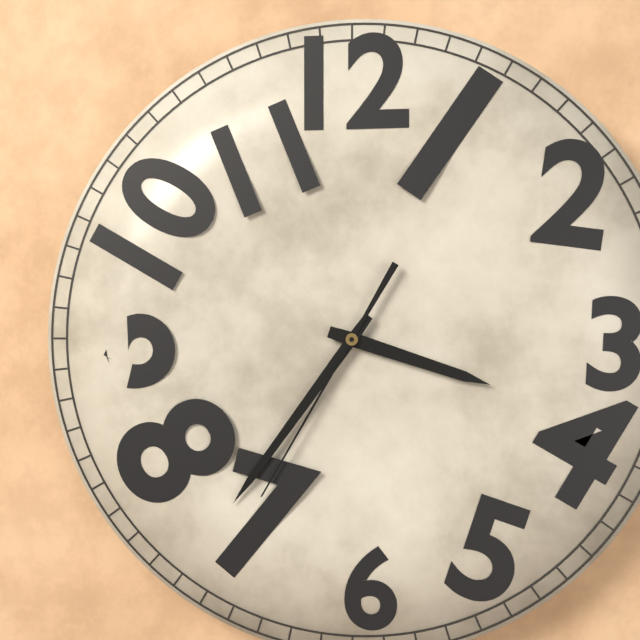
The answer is 3:36:35
